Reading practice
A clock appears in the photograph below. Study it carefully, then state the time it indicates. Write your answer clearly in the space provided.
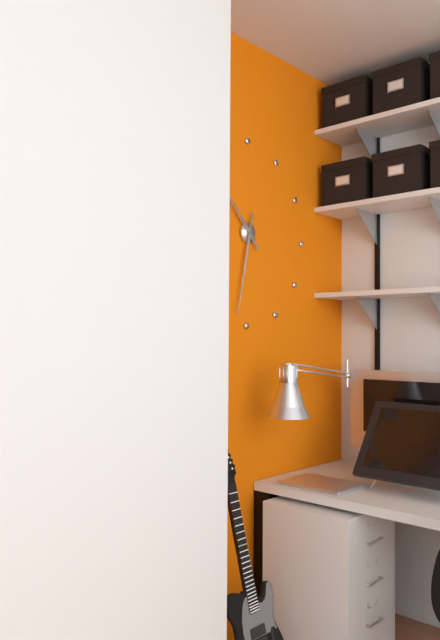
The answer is 10:32
